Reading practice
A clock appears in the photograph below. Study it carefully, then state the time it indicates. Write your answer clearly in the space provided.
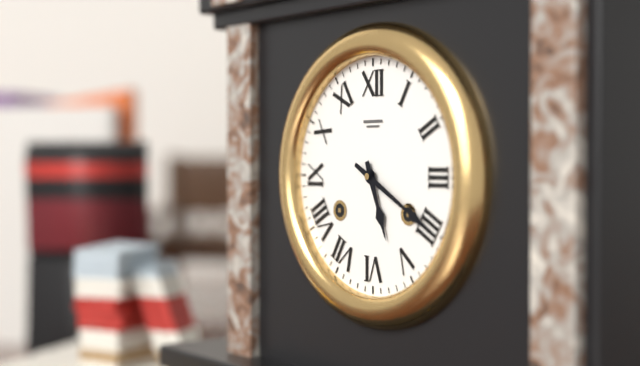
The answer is 5:20
